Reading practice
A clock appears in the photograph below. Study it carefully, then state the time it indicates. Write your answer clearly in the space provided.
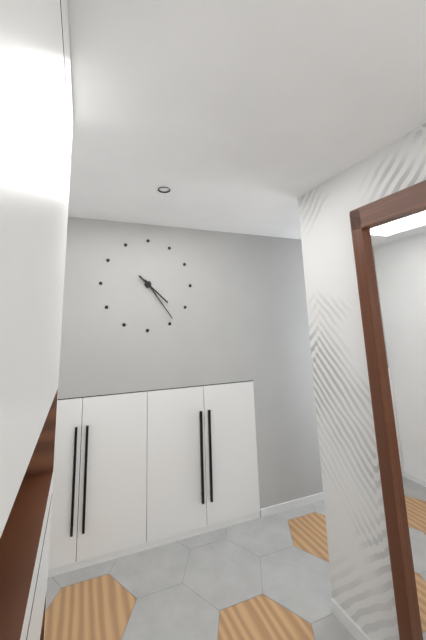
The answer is 4:24
